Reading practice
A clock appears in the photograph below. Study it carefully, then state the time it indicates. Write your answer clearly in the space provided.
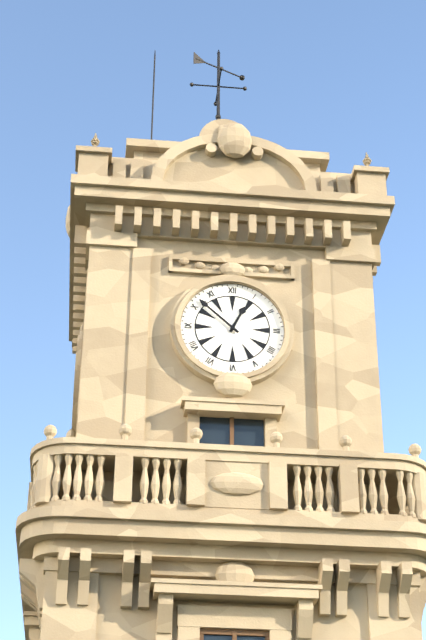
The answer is 12:52
